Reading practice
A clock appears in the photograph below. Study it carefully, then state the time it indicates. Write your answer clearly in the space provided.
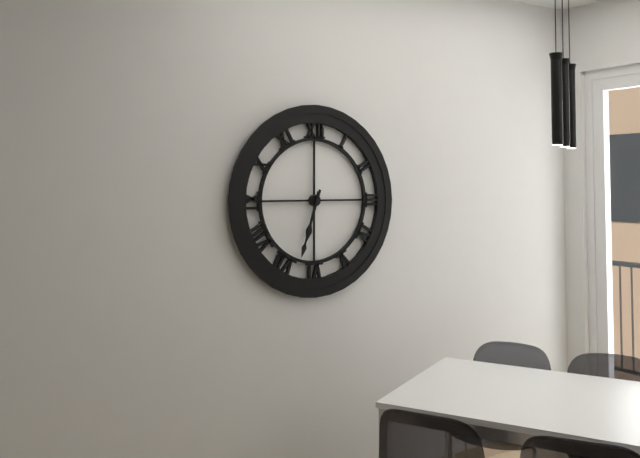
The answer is 6:33
